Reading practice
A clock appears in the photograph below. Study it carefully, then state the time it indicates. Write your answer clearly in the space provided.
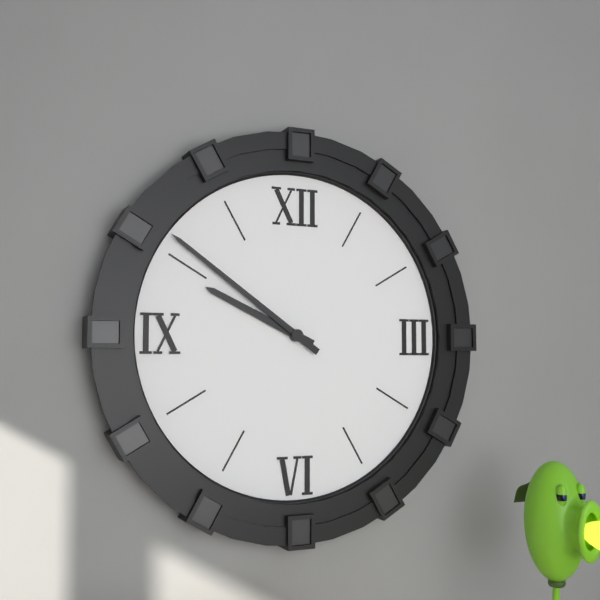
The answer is 9:51
